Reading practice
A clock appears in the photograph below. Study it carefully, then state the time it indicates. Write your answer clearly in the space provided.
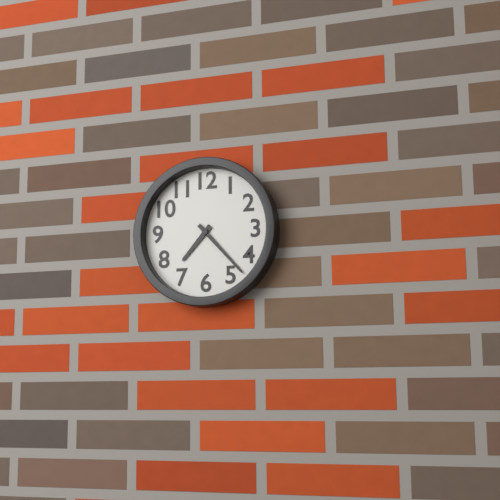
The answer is 7:23
